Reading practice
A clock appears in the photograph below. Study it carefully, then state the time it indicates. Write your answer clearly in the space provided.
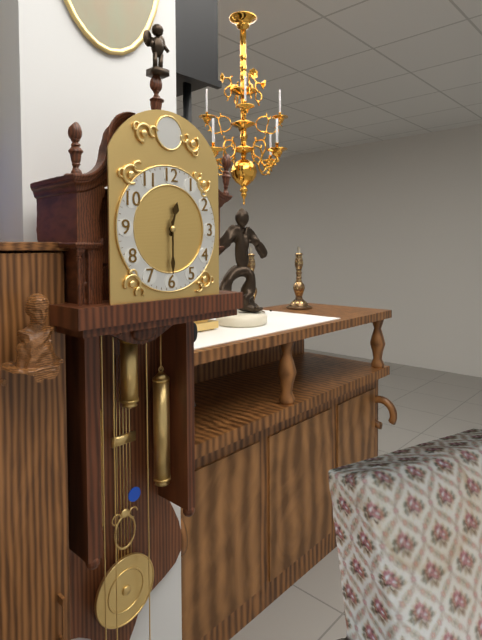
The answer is 12:30
